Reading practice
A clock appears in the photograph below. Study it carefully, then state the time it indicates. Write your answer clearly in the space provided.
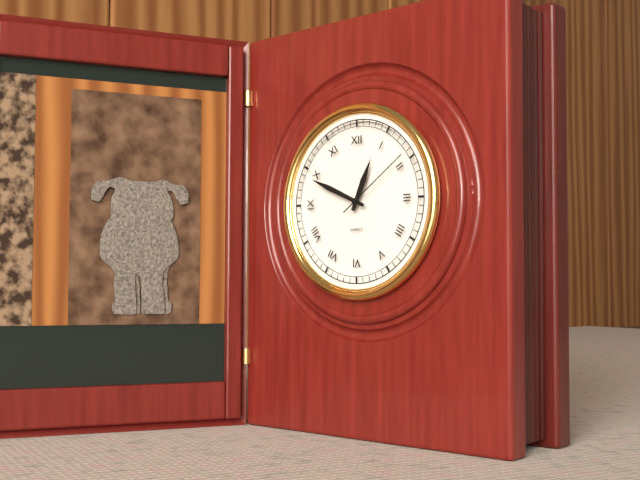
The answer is 12:49:09
